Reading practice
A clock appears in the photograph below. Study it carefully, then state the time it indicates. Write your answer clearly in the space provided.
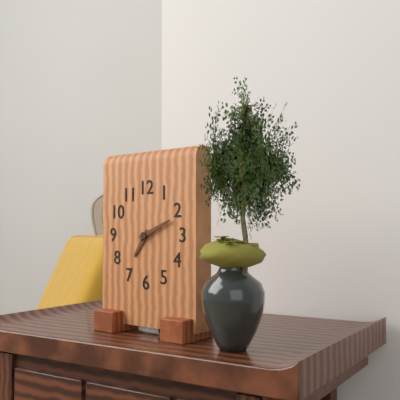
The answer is 7:11
